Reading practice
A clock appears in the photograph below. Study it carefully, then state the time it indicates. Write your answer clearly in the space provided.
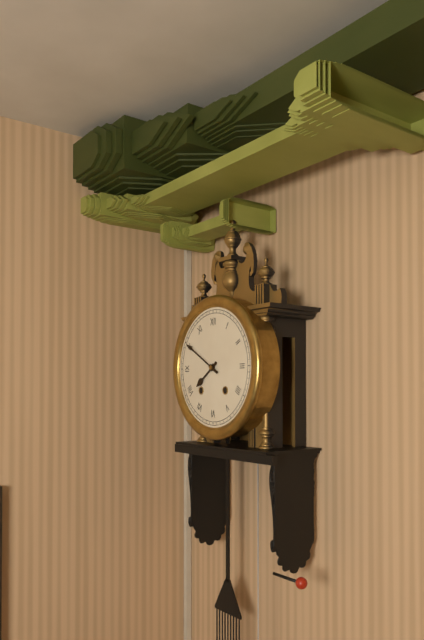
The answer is 7:50
